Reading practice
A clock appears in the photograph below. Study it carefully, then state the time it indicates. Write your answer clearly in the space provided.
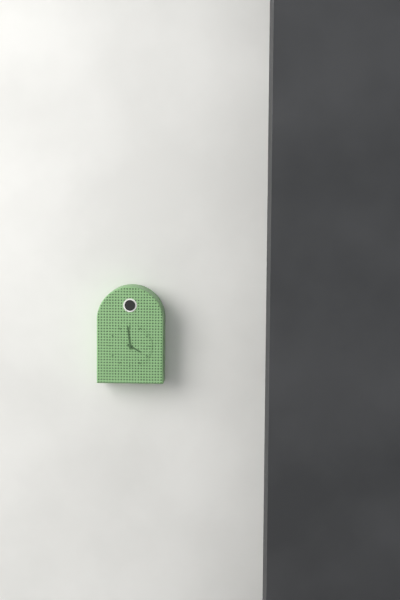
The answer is 3:59
